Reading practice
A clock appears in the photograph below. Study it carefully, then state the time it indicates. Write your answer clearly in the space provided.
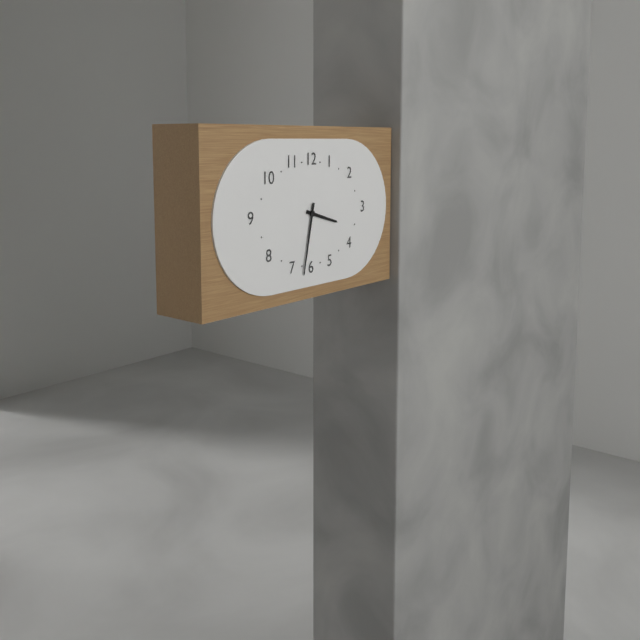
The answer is 3:32
